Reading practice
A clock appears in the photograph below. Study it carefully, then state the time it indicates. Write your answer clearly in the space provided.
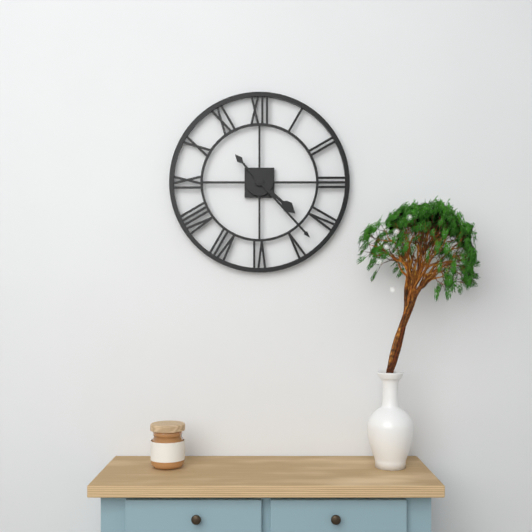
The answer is 4:23
